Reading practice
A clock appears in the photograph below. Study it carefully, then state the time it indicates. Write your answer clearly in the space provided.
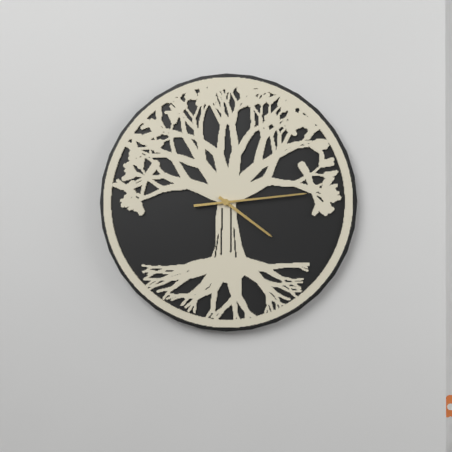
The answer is 4:14
